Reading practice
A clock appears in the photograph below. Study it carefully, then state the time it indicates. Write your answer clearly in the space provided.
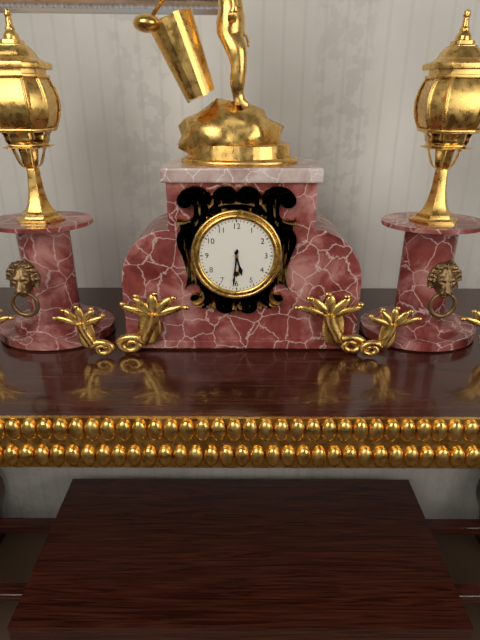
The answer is 5:31
